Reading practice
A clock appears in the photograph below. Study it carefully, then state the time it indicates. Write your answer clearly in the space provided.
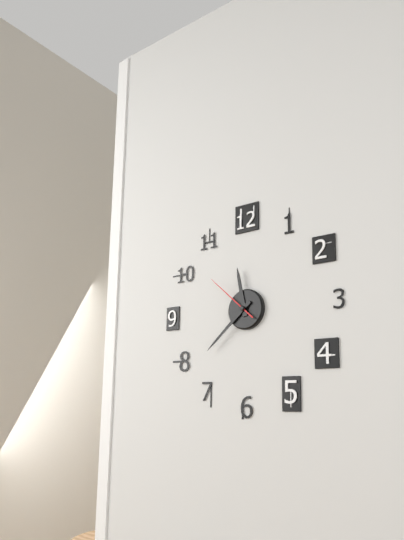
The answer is 11:38:52
